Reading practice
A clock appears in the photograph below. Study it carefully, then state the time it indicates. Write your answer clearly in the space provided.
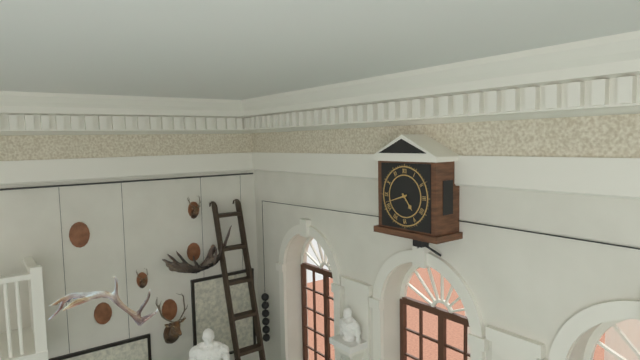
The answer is 4:42
